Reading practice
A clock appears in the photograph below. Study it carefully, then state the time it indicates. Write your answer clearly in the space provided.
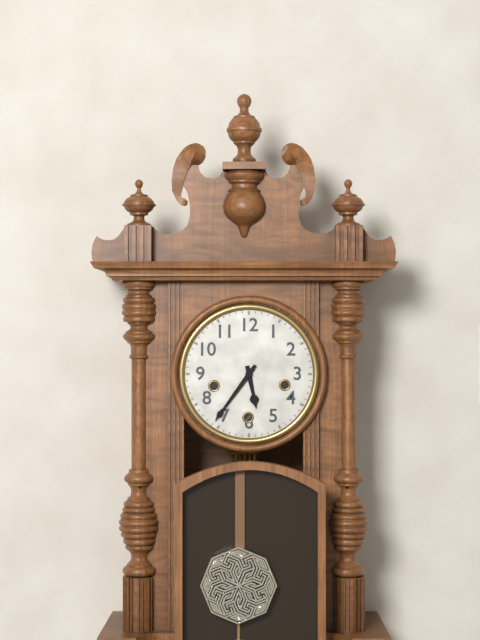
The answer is 5:36
